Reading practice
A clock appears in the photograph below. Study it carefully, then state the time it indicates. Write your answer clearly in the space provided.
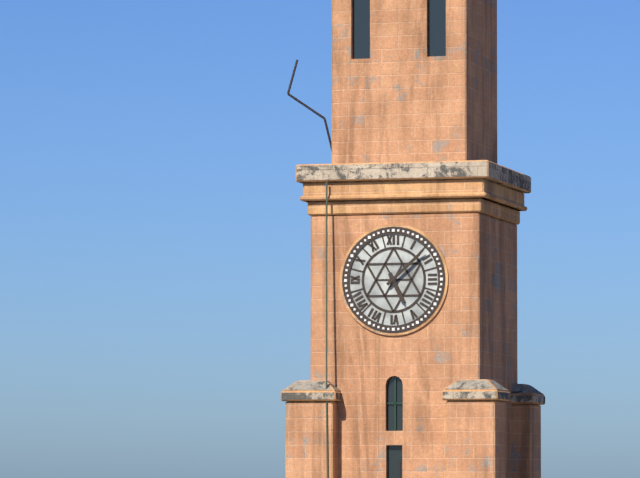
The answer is 5:08
